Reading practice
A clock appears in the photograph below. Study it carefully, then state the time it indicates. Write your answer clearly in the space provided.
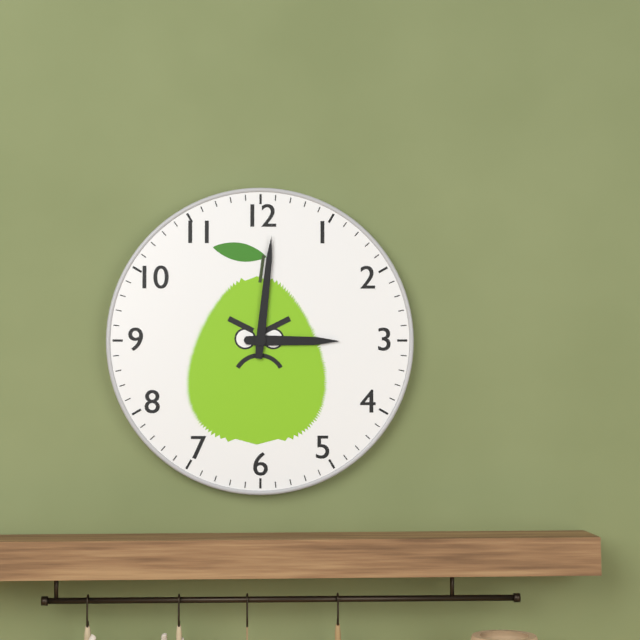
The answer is 3:01
